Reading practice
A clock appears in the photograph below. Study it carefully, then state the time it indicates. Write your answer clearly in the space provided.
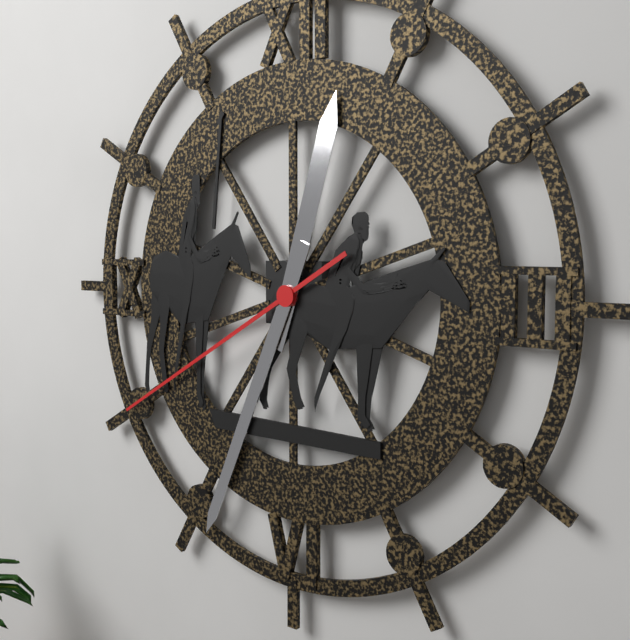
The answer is 12:34:40
